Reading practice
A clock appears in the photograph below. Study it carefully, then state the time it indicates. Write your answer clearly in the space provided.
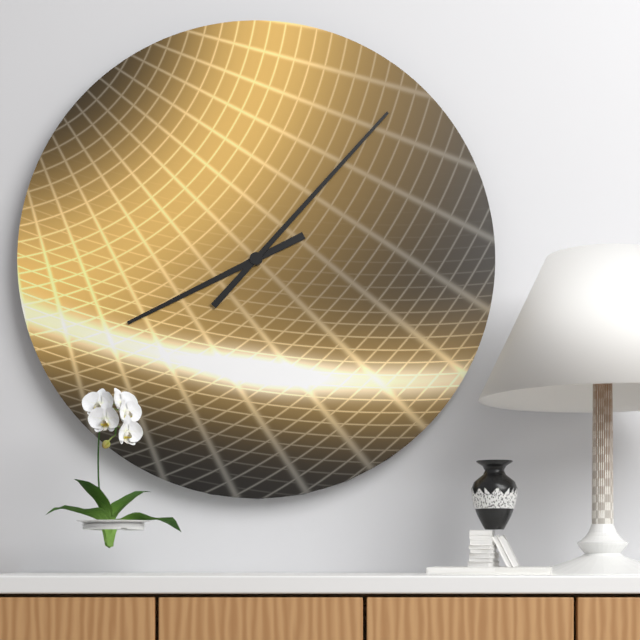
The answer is 8:07
